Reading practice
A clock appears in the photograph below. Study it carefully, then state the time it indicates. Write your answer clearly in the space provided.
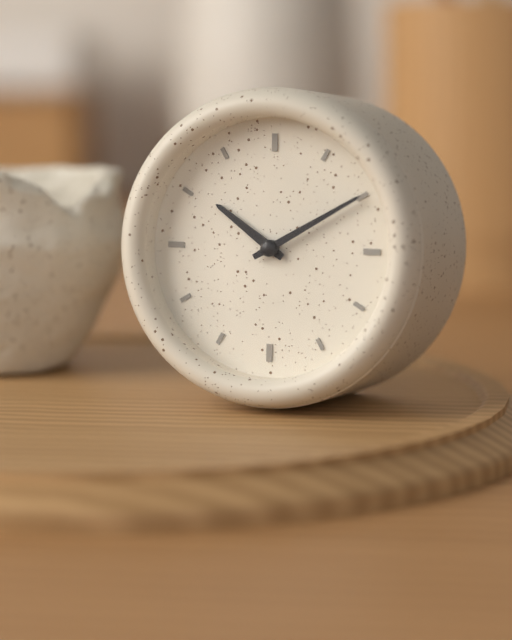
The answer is 10:10
